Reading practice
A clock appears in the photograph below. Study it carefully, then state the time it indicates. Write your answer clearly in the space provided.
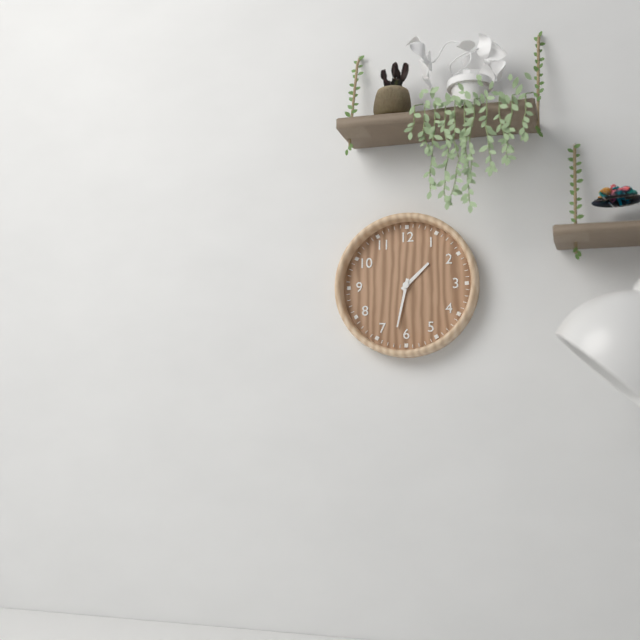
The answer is 1:32
